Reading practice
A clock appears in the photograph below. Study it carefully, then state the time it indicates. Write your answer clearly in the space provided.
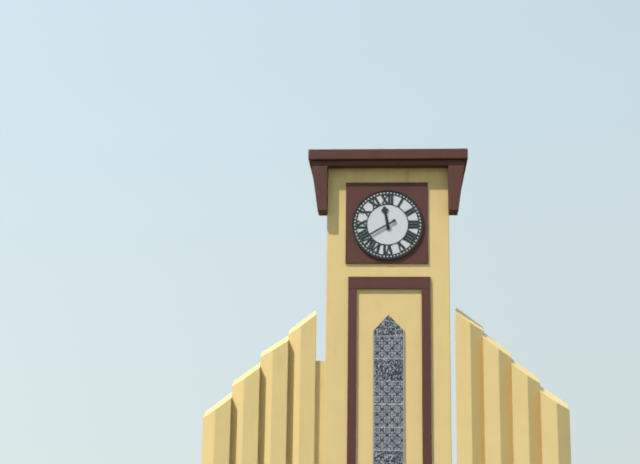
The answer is 11:40
